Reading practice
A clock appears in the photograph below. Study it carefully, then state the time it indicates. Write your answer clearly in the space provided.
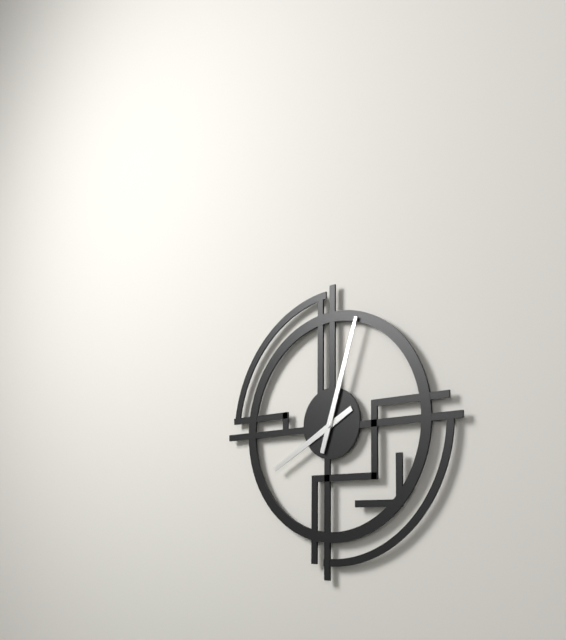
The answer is 8:03
